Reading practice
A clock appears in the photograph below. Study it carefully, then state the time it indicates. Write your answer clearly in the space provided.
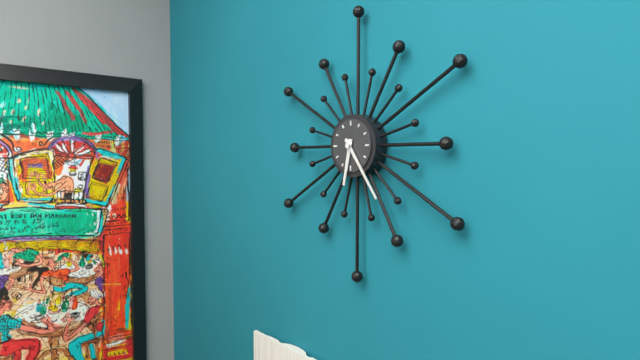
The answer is 6:24
